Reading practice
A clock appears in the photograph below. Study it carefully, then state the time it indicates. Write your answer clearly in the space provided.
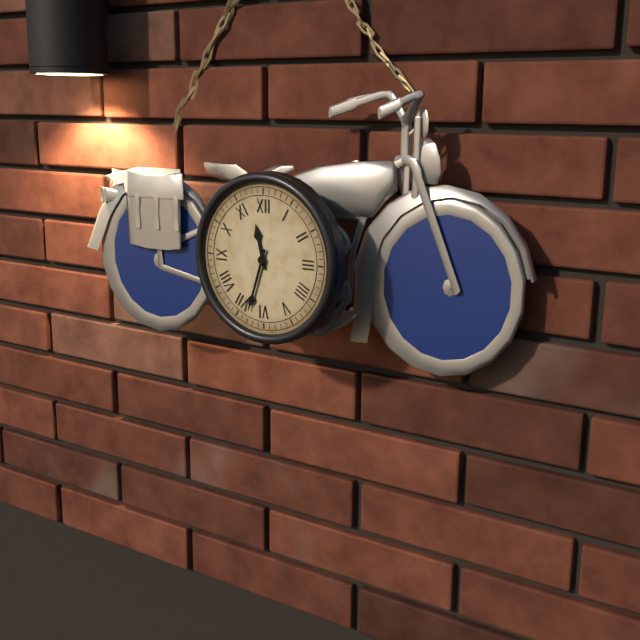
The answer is 11:33
